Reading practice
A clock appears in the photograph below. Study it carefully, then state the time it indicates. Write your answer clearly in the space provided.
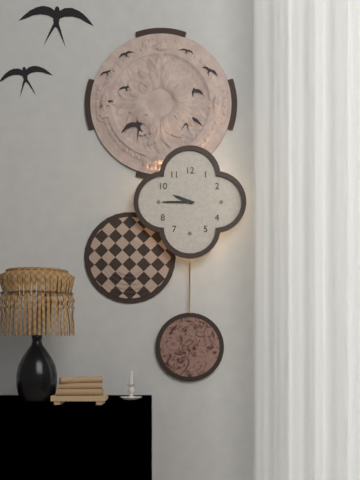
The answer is 9:45
